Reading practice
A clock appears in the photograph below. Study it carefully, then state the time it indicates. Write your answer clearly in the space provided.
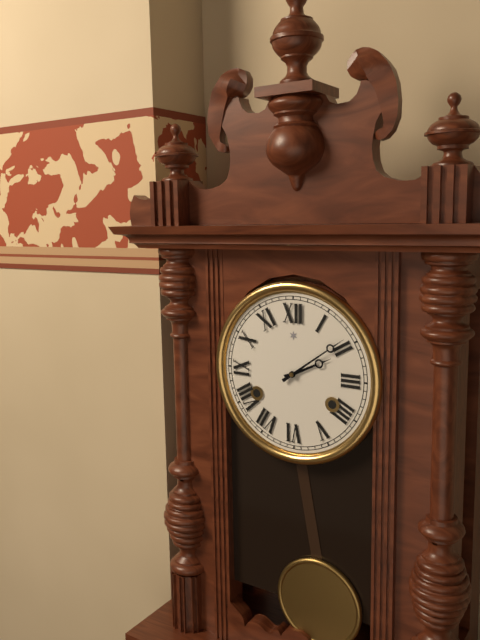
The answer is 2:09
